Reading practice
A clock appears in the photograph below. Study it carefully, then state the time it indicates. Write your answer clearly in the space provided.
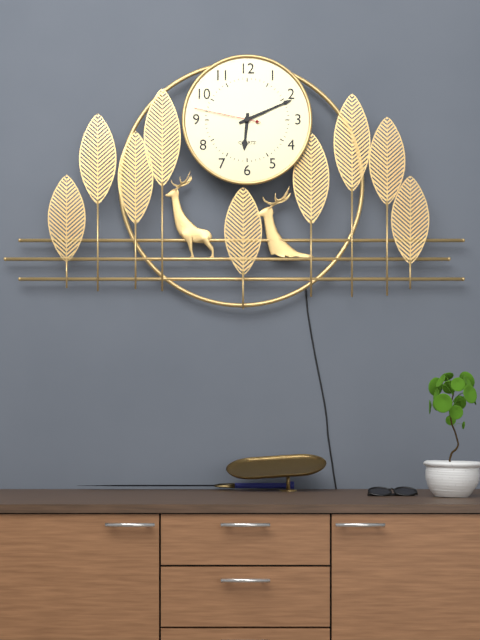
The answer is 6:11:47
